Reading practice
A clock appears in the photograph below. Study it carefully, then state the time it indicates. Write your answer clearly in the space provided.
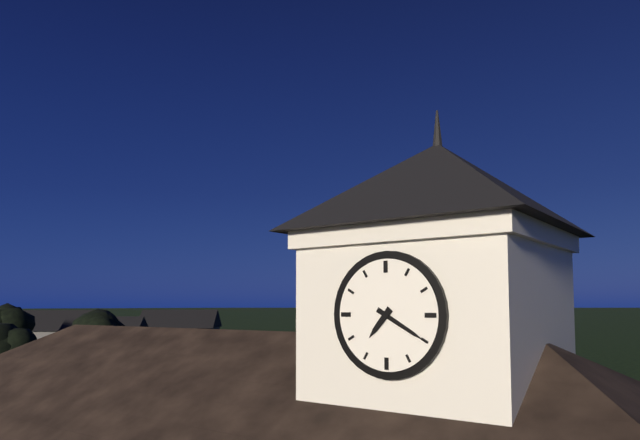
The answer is 7:20
